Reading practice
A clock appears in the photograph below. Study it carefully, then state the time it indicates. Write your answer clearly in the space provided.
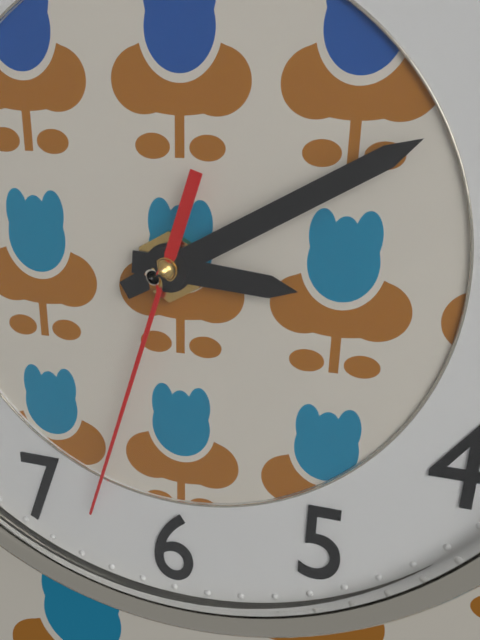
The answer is 3:10:33
